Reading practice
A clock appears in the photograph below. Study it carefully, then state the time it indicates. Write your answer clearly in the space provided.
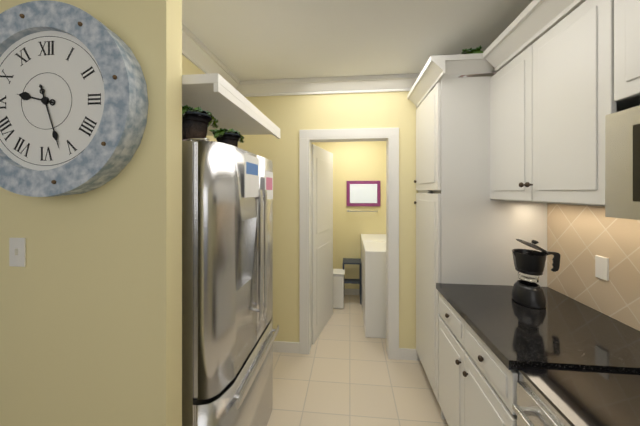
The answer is 9:27
